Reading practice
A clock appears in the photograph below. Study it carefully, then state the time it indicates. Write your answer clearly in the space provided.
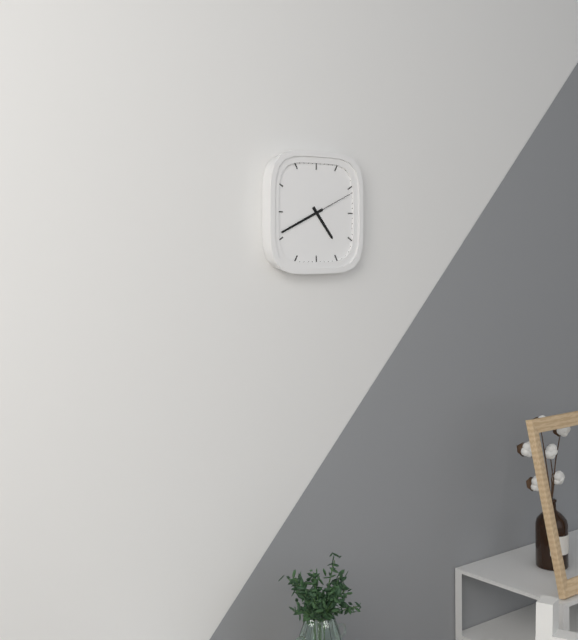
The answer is 4:41
